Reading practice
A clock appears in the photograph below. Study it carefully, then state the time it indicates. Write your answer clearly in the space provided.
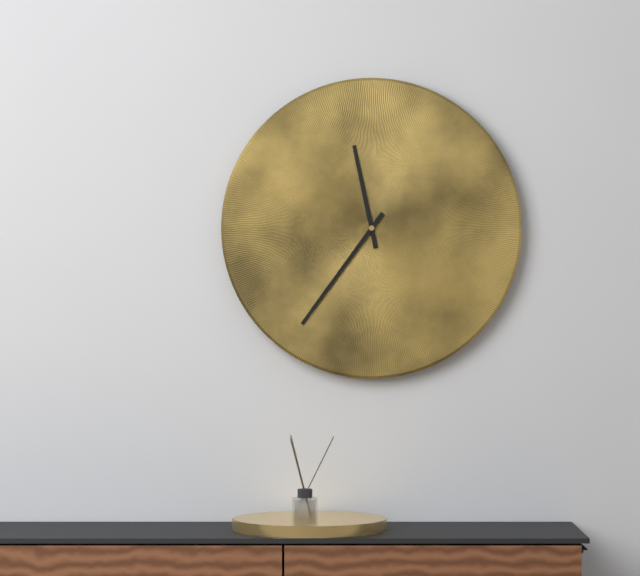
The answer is 11:36
